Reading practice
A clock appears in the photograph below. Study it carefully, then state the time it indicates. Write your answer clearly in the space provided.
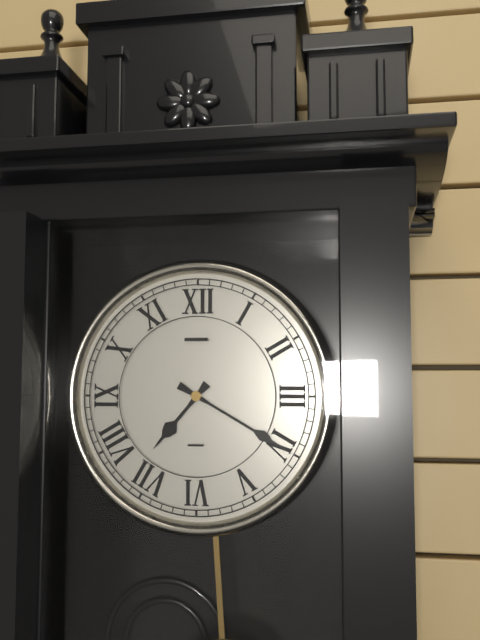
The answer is 7:20
